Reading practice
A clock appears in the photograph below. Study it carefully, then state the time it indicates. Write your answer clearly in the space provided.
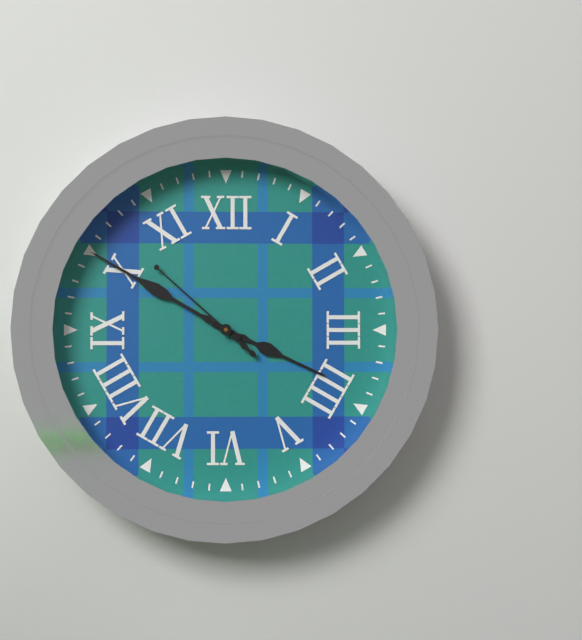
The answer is 3:50:52
